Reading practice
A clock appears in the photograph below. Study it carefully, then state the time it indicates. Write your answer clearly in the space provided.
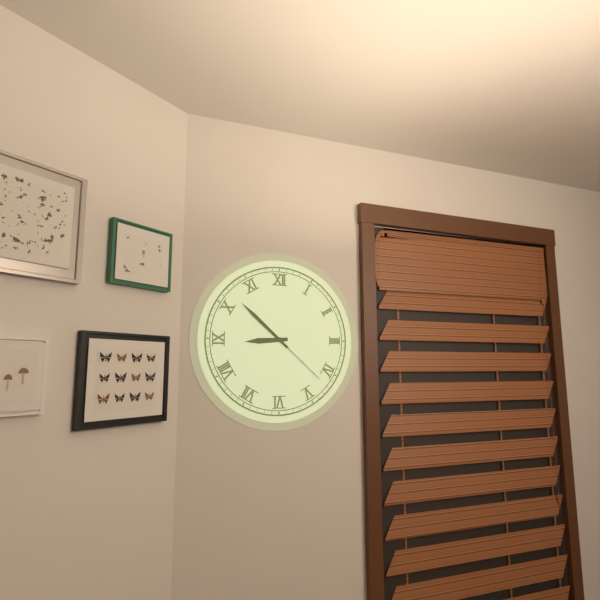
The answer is 8:52:22
